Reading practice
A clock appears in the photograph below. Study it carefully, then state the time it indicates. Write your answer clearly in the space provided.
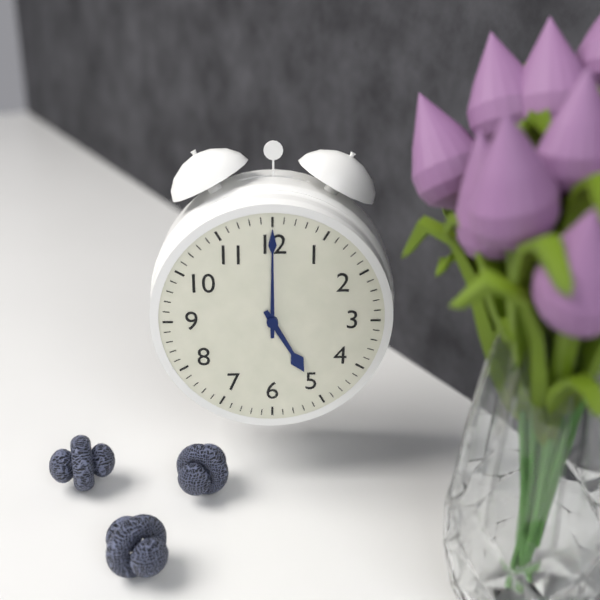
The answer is 5:00
